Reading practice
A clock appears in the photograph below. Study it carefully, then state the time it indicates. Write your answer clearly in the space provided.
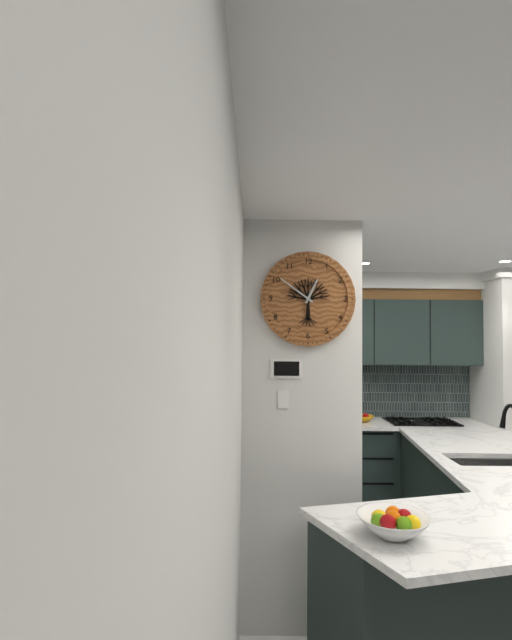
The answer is 12:51
